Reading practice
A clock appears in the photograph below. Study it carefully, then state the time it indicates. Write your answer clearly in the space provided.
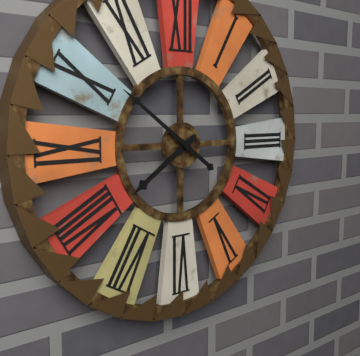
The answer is 7:51
